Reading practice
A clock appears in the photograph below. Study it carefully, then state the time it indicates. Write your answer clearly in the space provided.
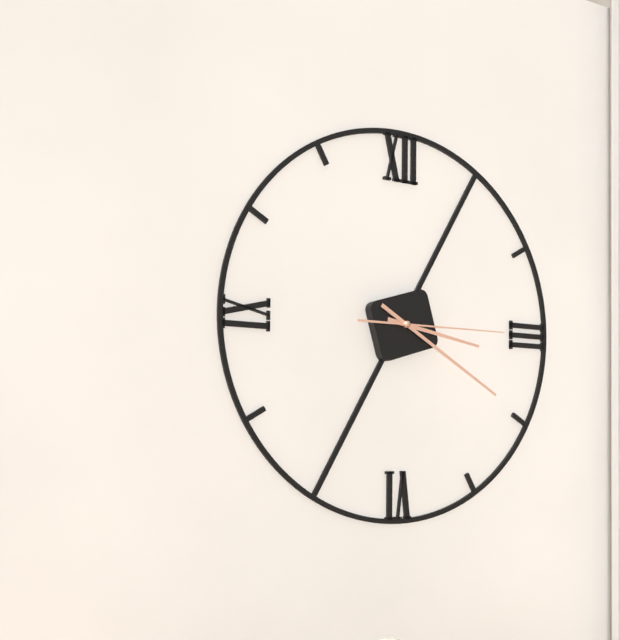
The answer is 3:20:15
